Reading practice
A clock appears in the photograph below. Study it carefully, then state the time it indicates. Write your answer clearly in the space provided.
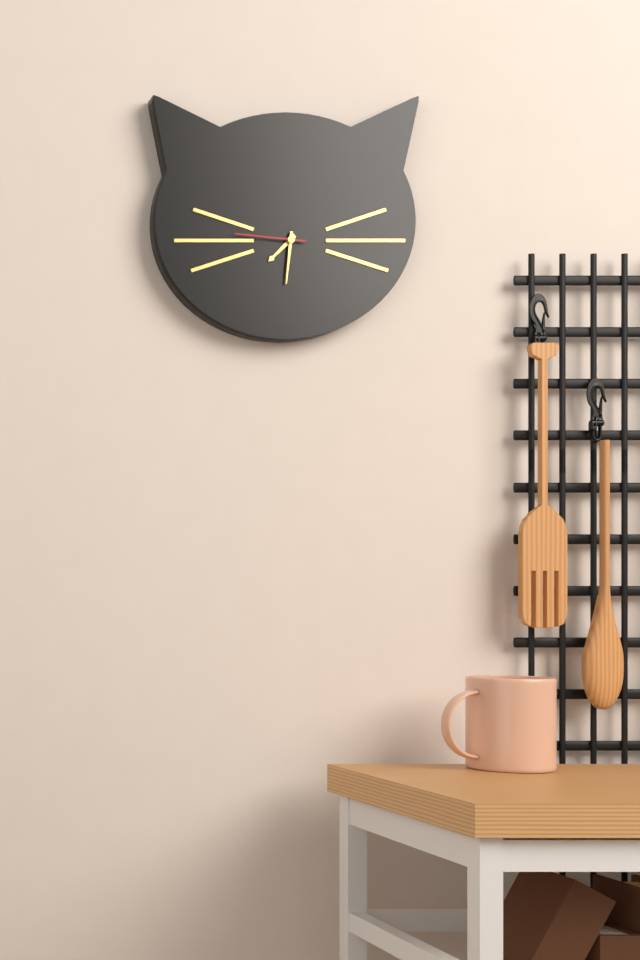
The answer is 7:31:46
